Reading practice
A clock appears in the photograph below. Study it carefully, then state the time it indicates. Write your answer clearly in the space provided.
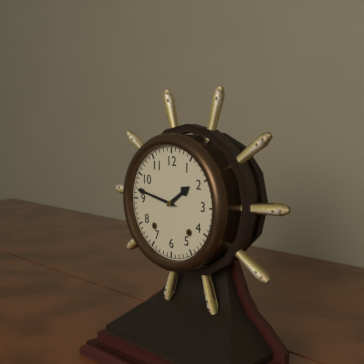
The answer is 1:47
